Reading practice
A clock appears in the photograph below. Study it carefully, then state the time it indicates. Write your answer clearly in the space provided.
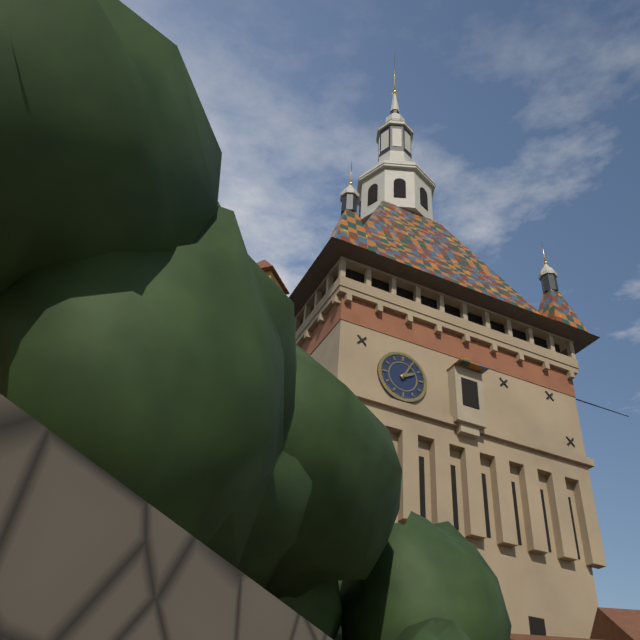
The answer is 2:05
